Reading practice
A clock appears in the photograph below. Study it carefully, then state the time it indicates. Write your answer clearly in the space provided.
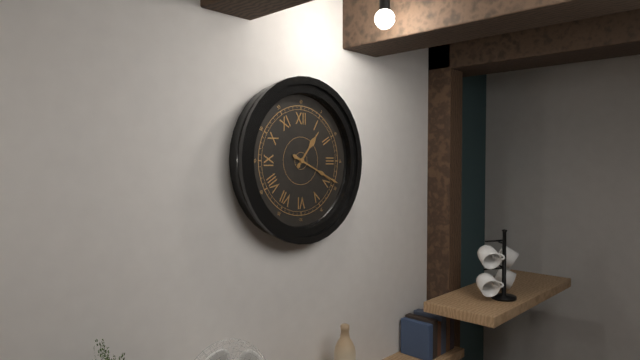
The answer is 1:19
